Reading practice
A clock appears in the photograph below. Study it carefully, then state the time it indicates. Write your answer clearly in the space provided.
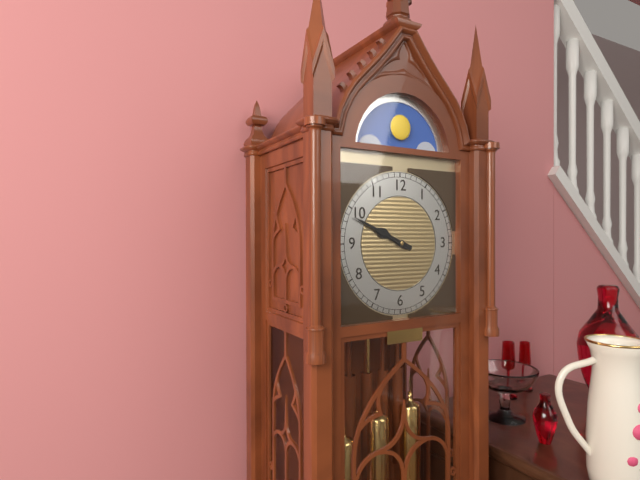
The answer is 9:49
